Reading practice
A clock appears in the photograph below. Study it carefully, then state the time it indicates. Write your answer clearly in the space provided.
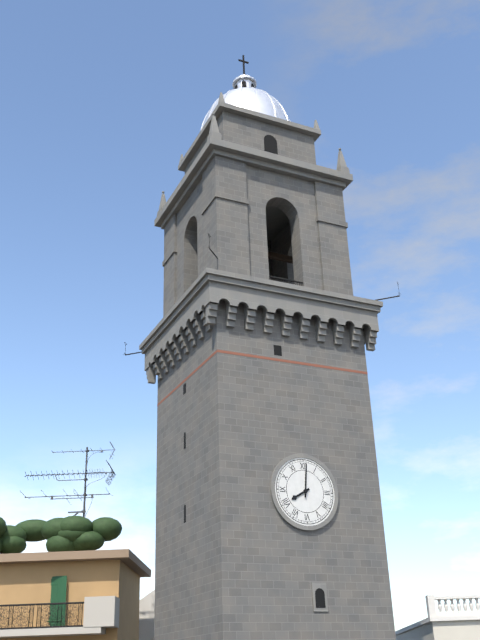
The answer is 8:01
